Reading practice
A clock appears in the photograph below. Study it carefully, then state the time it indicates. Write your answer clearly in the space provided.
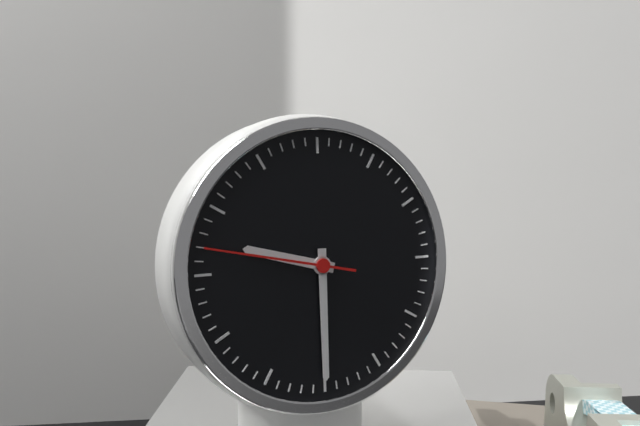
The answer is 9:30:47
